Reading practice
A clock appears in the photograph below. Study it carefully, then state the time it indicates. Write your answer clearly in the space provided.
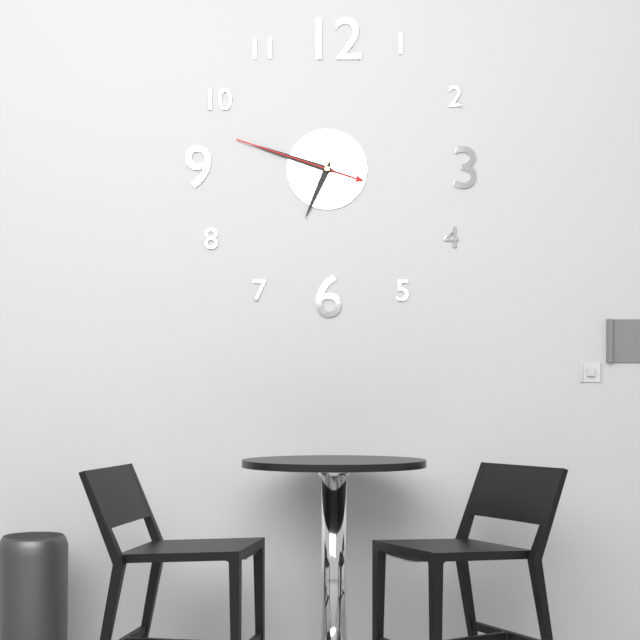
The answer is 6:48:48
